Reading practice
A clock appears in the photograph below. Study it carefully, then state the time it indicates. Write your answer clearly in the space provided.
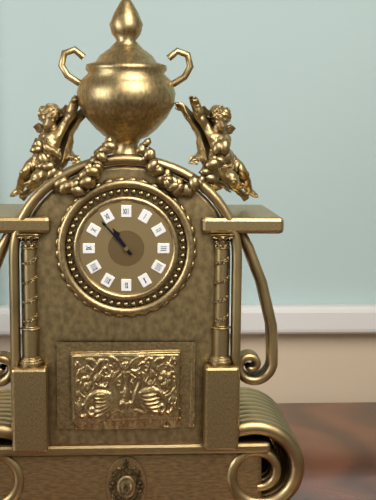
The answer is 10:53
